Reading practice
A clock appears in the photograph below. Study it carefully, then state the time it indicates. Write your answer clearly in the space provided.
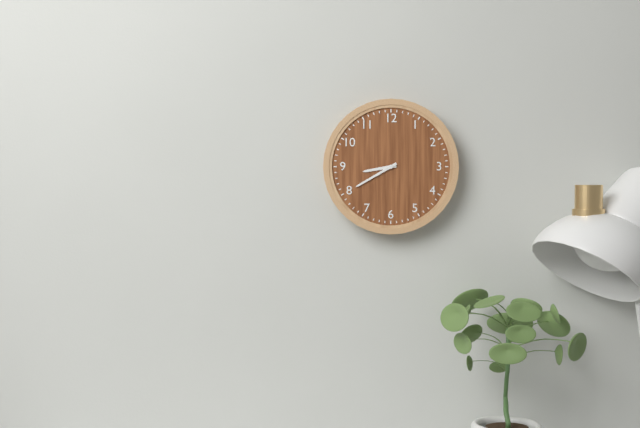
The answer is 8:40
